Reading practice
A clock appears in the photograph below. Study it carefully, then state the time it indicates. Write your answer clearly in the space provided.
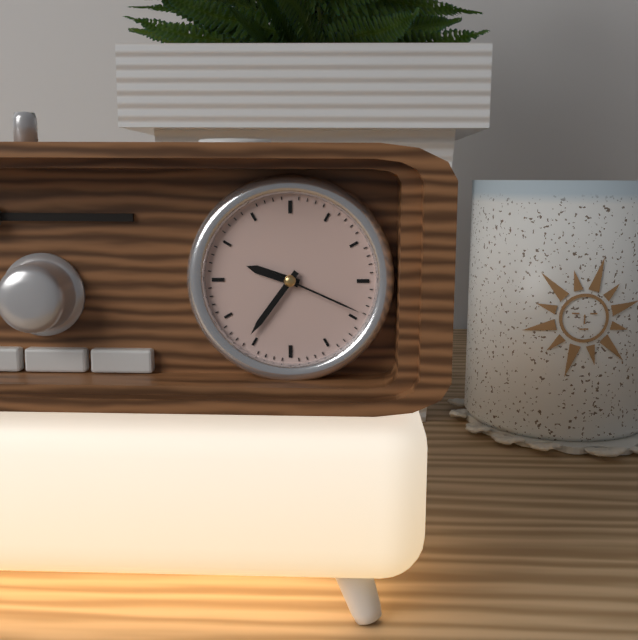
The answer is 9:36:19
